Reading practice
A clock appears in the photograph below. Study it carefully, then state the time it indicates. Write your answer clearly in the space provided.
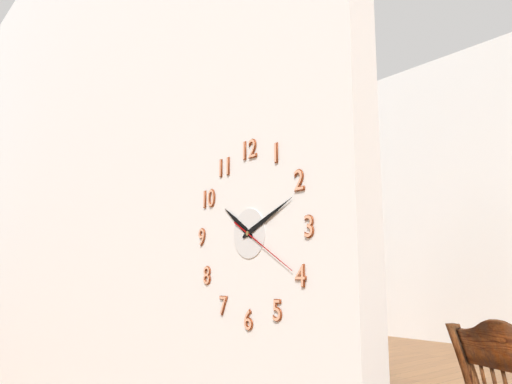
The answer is 10:11:20
